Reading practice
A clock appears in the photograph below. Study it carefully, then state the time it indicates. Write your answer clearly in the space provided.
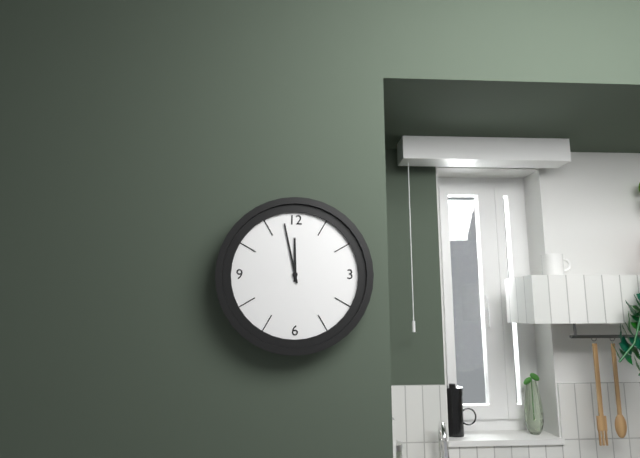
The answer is 11:58
